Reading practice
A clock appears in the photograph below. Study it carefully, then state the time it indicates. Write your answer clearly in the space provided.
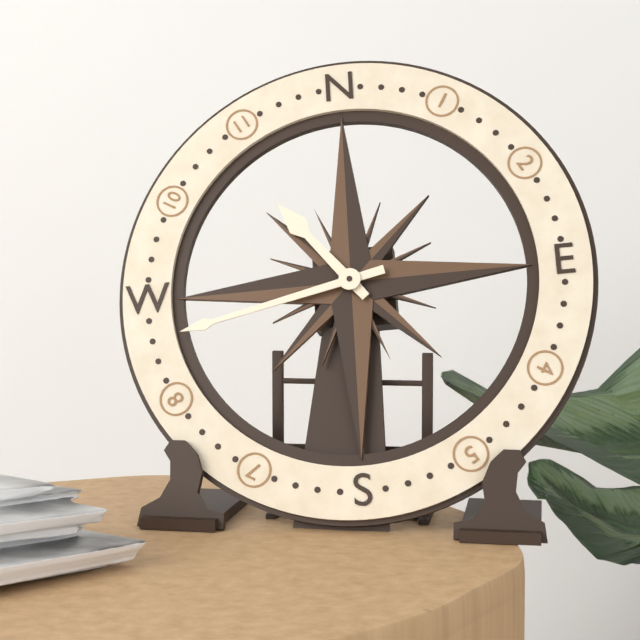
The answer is 10:43
